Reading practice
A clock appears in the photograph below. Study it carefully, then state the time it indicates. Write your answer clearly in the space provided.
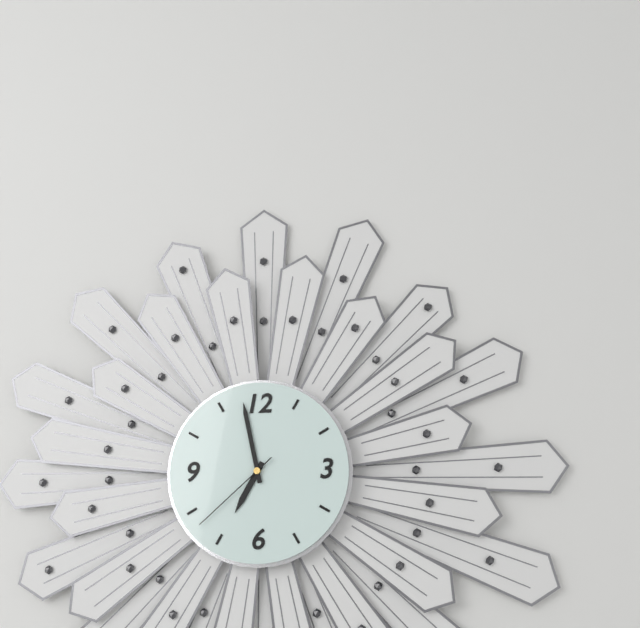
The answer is 6:58:38
